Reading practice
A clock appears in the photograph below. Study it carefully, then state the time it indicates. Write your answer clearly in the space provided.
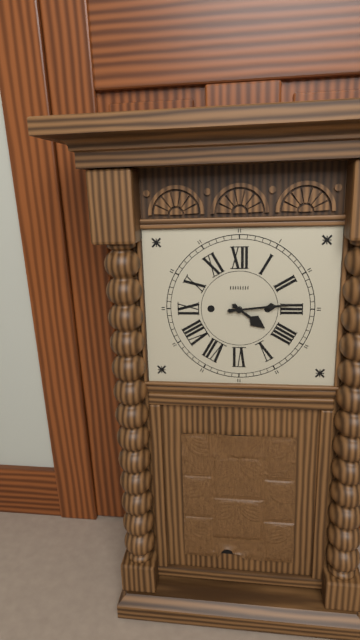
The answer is 4:14
